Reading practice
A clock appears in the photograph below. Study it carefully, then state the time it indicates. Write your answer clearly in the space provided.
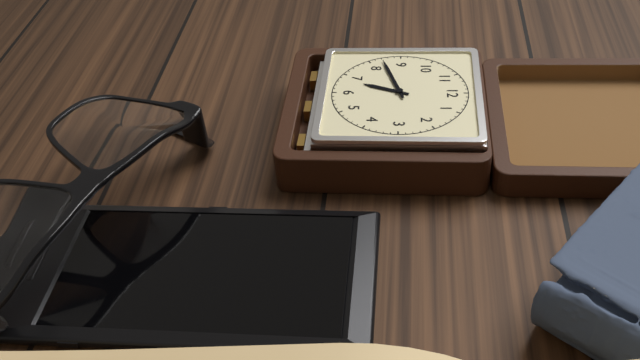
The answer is 6:42
